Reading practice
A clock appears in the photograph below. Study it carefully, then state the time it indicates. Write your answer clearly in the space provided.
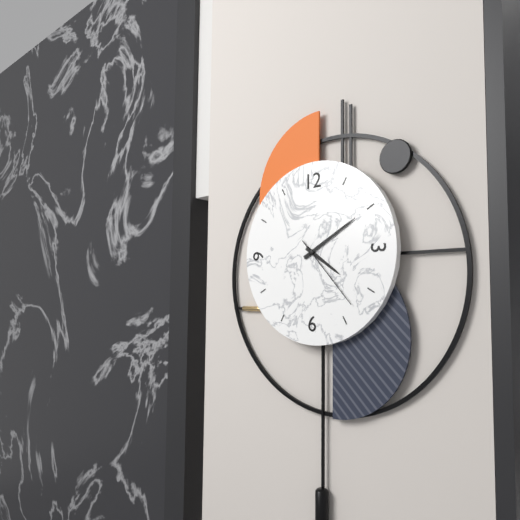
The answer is 4:10:23
